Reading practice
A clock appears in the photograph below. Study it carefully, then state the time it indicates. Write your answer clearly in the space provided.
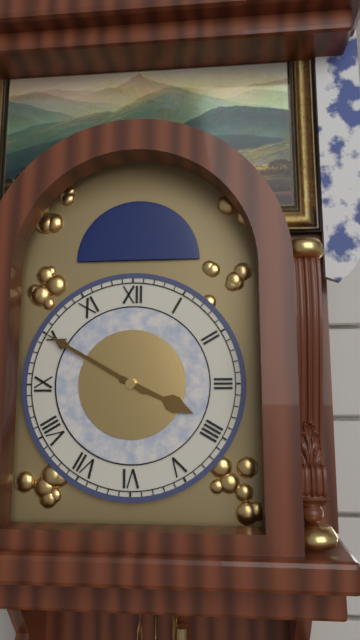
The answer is 3:50
